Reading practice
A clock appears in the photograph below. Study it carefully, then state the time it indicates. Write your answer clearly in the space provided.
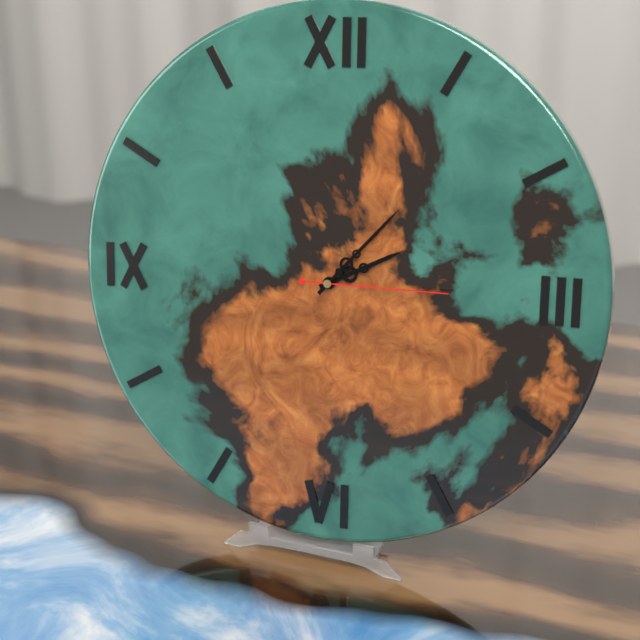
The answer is 2:07:15
